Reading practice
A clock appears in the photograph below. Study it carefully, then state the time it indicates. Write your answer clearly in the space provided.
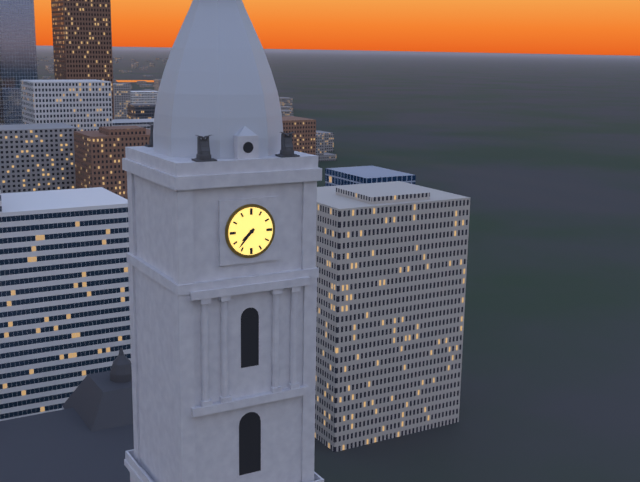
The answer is 7:37
